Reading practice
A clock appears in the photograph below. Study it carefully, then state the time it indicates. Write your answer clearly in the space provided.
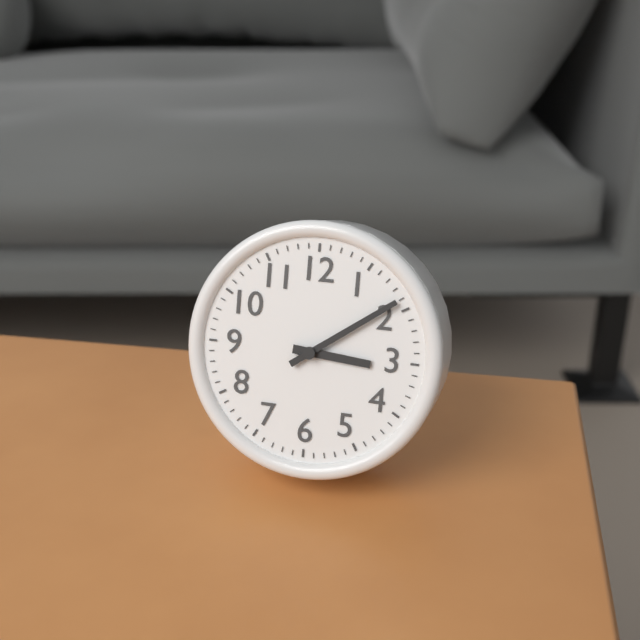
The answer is 3:09
